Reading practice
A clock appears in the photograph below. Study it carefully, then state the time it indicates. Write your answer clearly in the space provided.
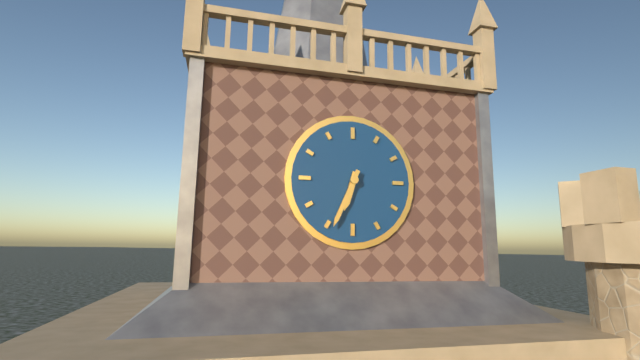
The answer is 6:34
